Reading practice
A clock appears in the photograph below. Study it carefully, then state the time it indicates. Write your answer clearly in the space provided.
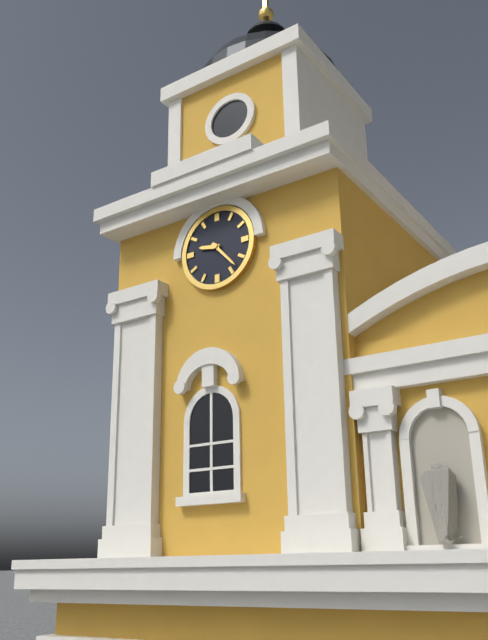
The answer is 9:23
